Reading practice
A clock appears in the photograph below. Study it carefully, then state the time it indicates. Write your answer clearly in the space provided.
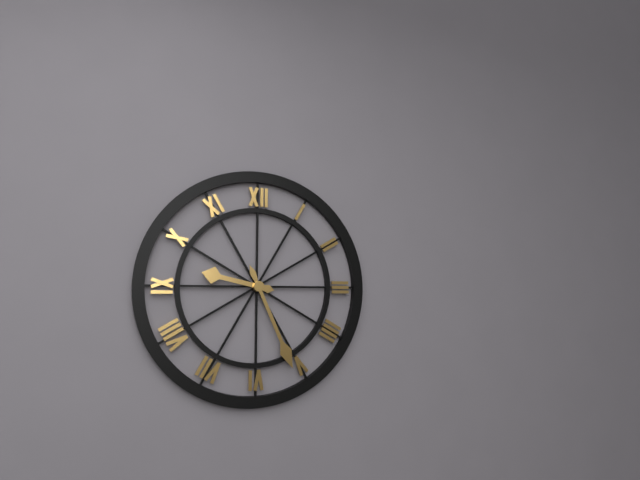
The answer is 9:26
